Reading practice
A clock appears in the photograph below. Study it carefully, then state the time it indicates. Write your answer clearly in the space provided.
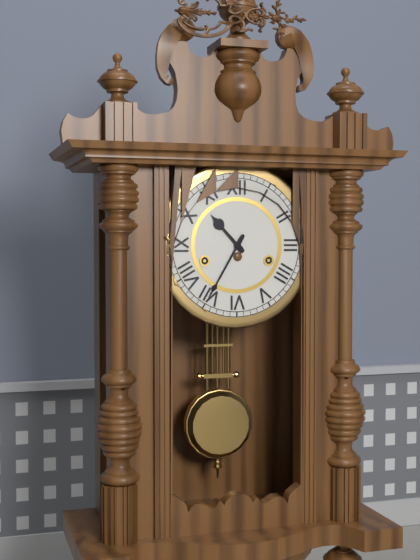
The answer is 10:35
